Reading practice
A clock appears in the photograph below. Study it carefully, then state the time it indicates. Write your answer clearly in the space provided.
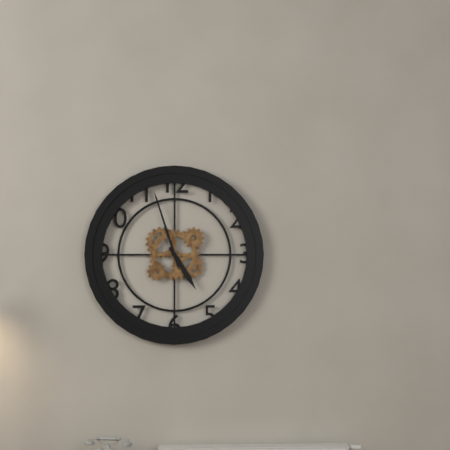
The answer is 4:57
